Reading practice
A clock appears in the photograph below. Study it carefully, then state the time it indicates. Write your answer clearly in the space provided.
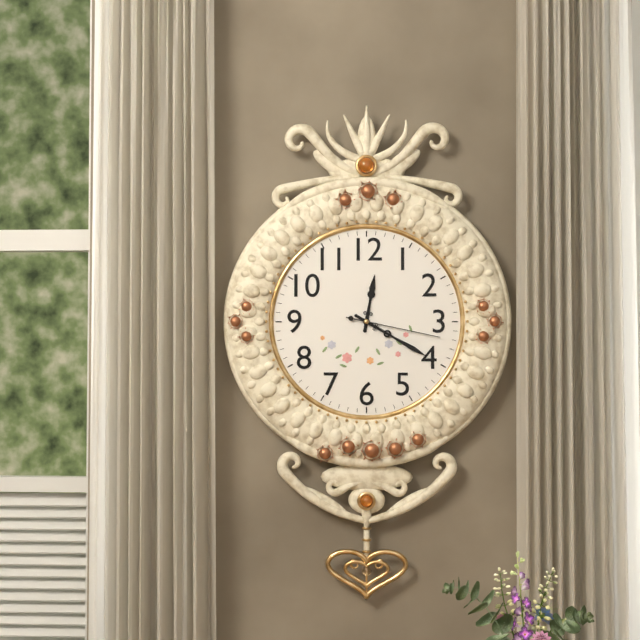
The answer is 12:20:17
